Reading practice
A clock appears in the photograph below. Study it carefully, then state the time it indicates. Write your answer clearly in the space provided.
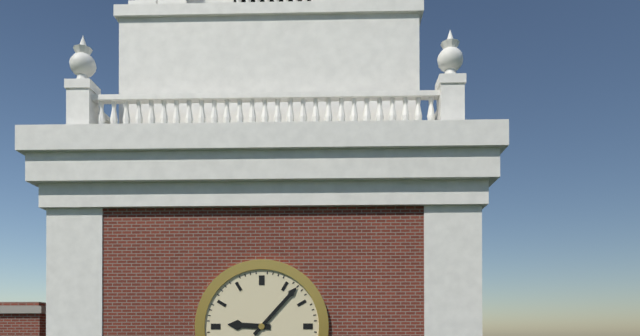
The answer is 9:07
